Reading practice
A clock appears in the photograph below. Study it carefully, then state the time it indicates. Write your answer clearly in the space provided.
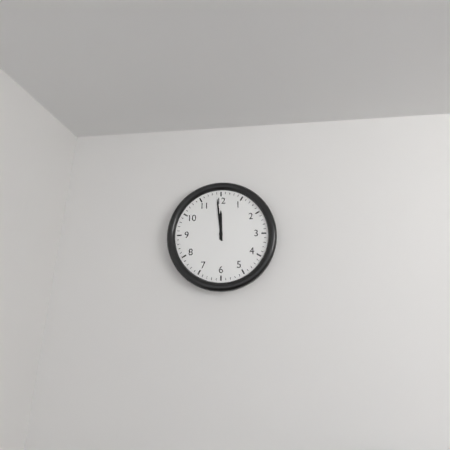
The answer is 11:59
